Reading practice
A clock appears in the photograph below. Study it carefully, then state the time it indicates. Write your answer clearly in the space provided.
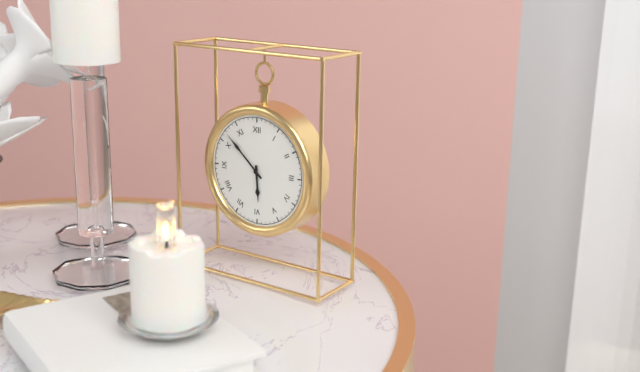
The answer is 5:52
